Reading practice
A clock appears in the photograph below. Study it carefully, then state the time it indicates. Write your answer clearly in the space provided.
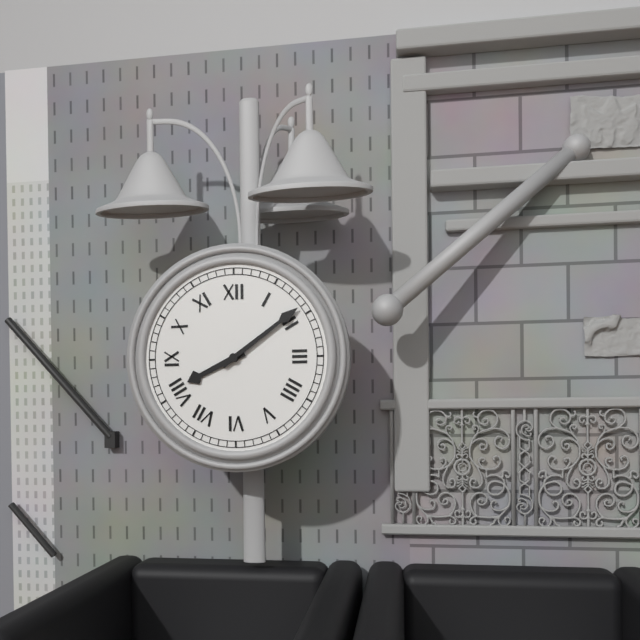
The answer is 8:09
